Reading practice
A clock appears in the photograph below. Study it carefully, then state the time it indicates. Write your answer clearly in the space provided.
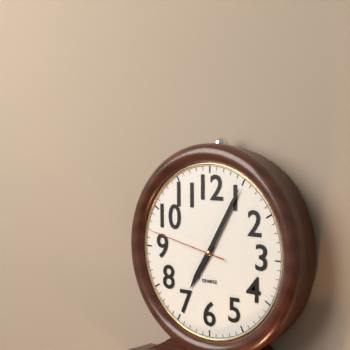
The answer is 7:05:47
